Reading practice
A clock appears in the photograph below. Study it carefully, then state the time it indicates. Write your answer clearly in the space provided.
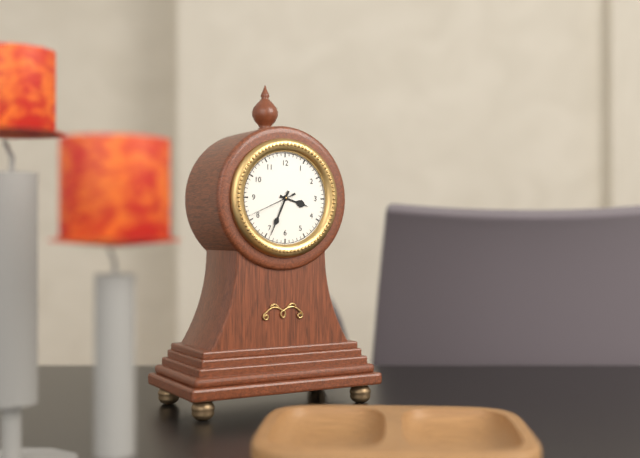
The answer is 3:34
